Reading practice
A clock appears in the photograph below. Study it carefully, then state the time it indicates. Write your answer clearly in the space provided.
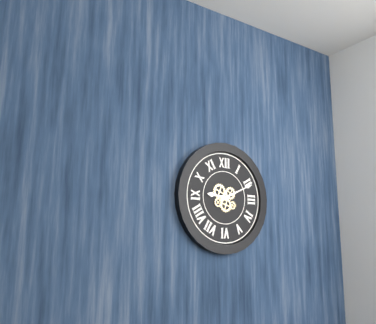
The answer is 9:11
